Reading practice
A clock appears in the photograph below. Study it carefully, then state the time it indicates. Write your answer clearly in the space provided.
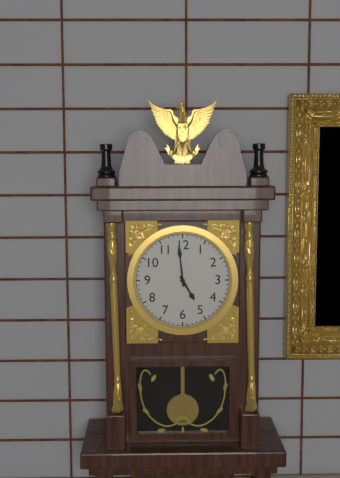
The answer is 4:59
